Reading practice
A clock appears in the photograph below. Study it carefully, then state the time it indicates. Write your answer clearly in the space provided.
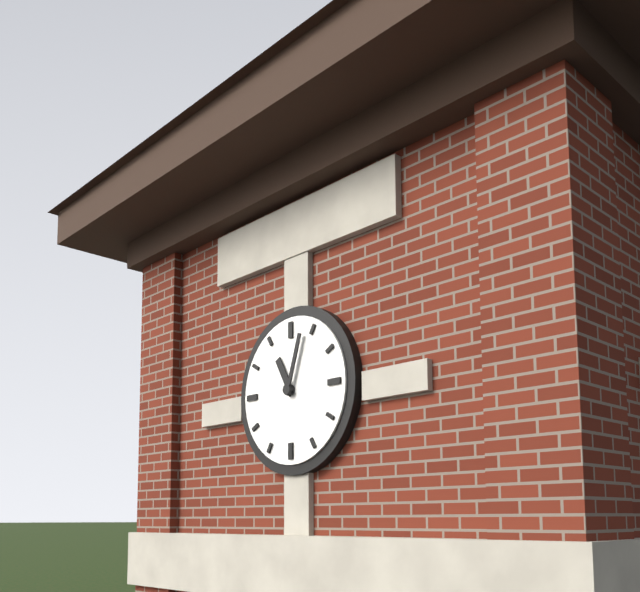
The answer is 11:03
